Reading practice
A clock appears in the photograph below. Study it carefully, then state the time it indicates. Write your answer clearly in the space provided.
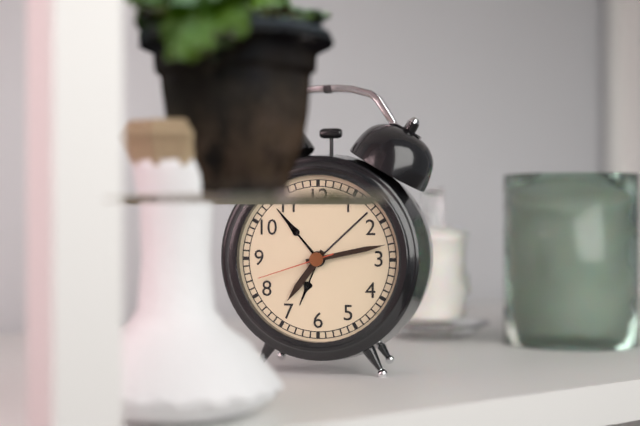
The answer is 7:13:42
